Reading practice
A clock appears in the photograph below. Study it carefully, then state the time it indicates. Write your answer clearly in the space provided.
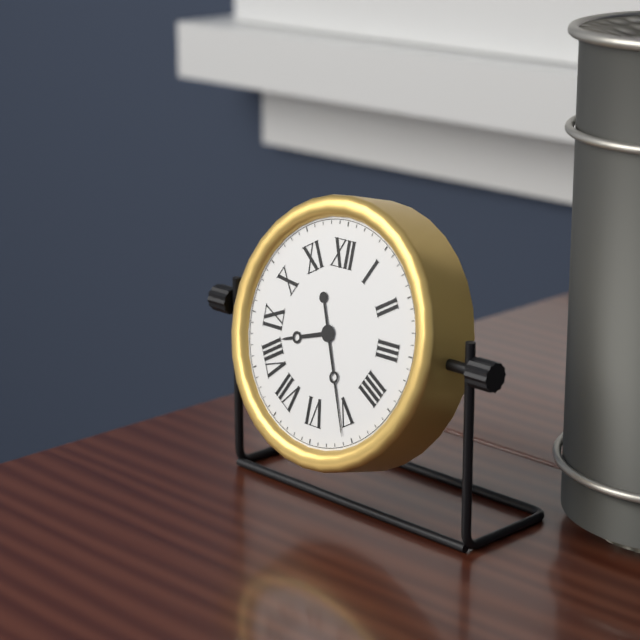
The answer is 8:26
